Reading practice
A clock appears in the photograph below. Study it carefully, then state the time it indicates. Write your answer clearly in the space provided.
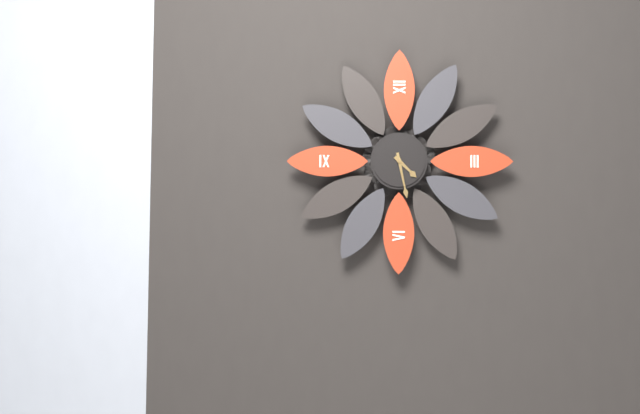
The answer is 4:28
